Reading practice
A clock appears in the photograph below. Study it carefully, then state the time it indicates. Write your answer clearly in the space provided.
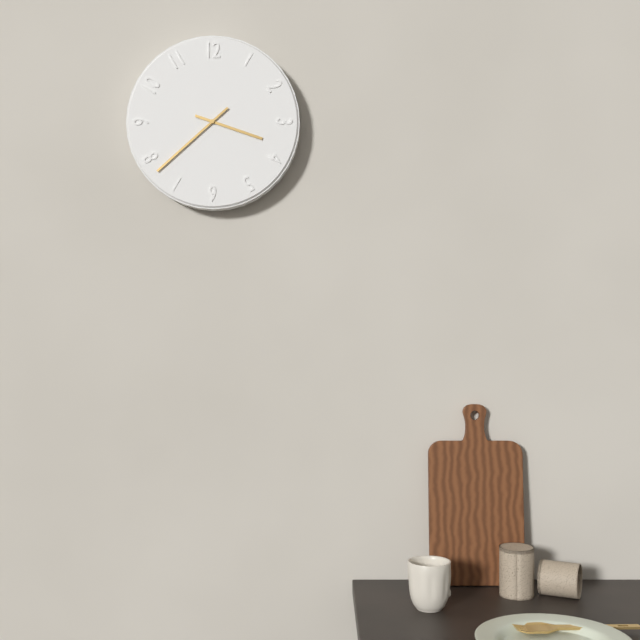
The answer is 3:38
